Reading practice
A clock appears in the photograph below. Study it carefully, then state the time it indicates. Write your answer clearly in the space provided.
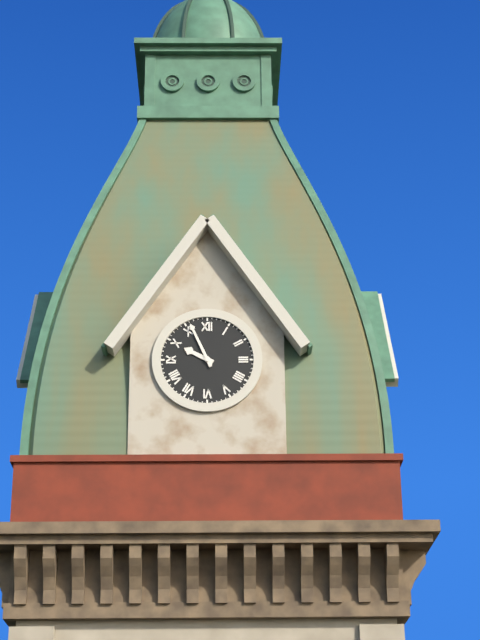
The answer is 9:56
